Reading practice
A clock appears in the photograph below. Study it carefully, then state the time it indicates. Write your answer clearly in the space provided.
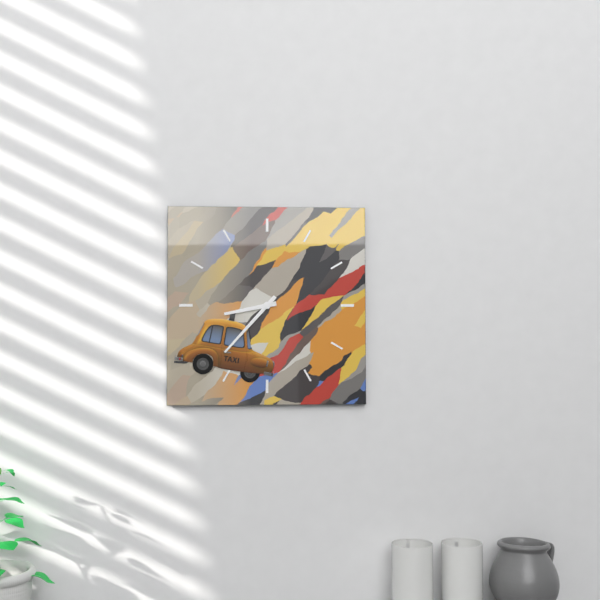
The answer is 8:37
